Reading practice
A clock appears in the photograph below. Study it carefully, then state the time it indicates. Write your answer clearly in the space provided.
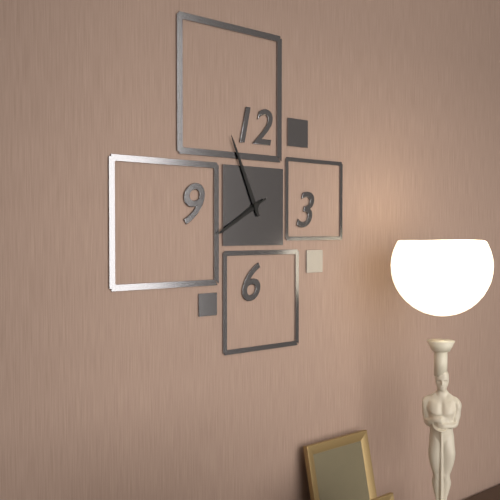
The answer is 7:56:40
